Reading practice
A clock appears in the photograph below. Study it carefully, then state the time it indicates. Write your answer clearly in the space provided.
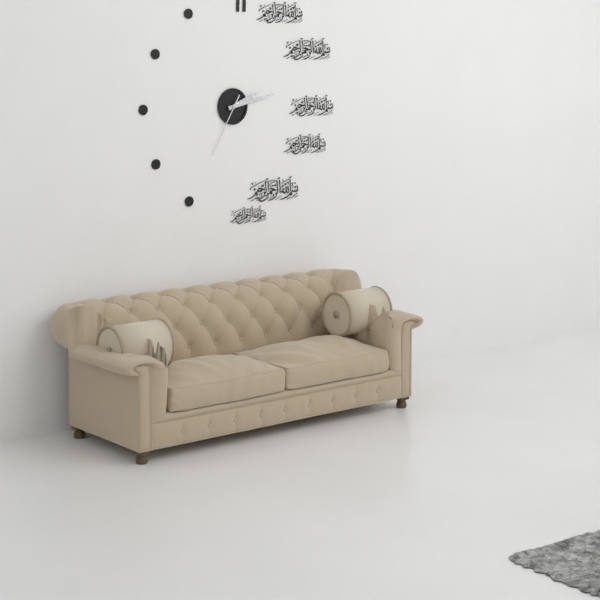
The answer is 2:13:35
